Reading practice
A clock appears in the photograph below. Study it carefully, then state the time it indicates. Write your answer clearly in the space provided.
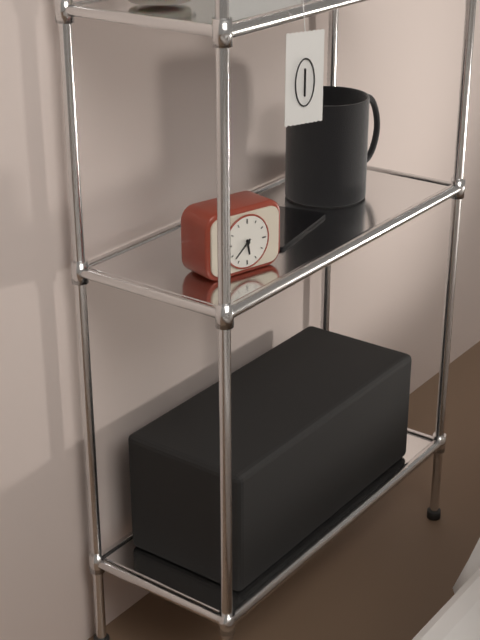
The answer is 5:38
